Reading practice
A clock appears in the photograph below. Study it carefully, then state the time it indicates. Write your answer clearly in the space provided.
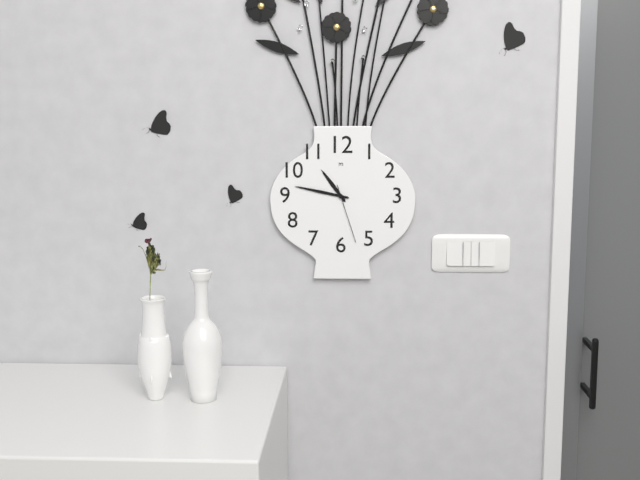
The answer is 10:47:27
